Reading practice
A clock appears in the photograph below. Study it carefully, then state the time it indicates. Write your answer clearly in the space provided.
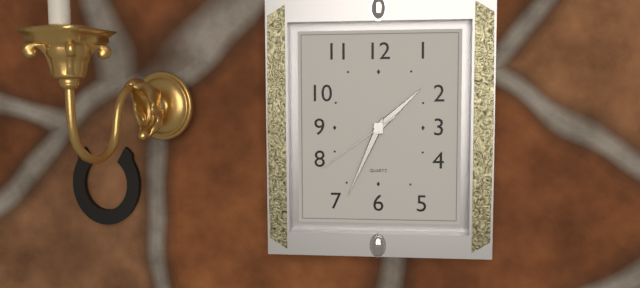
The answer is 1:34:39
